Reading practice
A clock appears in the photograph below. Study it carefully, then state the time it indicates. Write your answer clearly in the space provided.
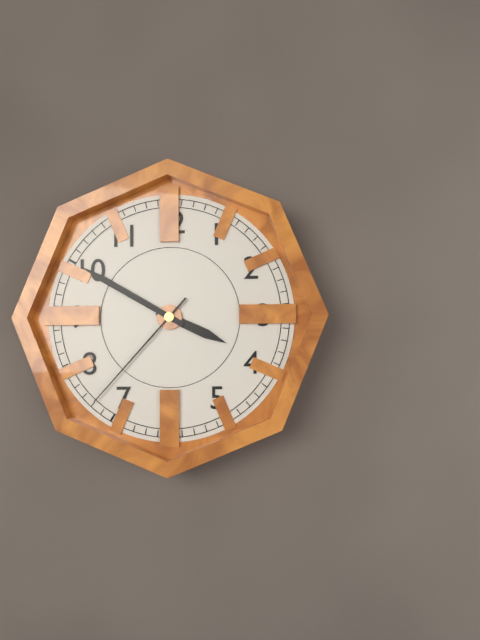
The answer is 3:50:37
